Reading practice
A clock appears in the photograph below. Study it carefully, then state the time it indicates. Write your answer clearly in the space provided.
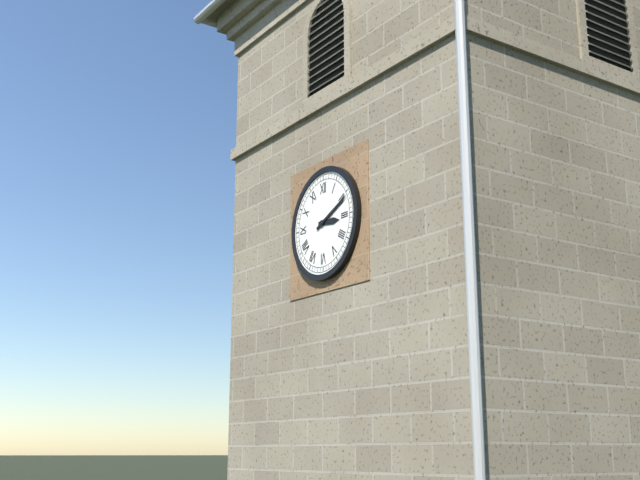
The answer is 3:11
